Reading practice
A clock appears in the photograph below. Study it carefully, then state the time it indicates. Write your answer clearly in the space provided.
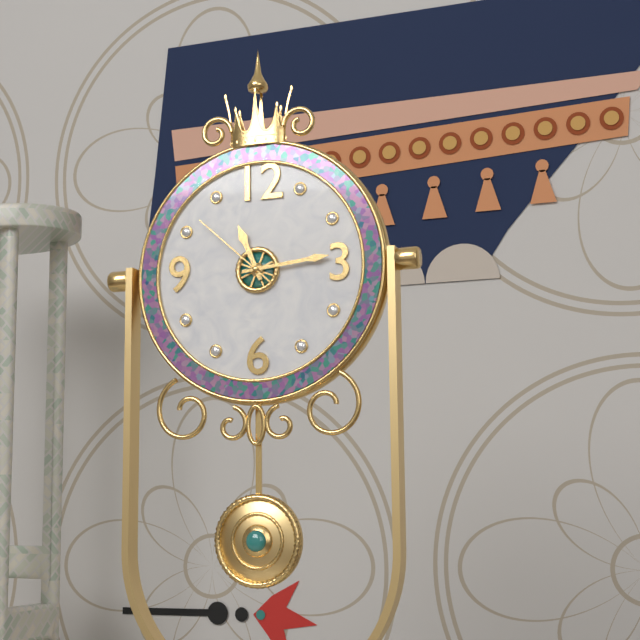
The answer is 11:14:52
